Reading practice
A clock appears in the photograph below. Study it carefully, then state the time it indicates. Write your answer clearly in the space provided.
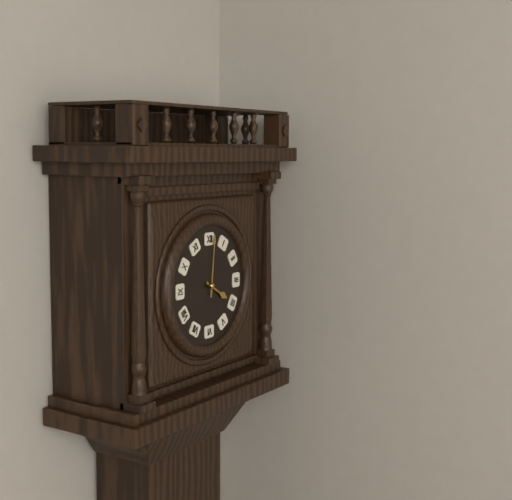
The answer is 4:01
